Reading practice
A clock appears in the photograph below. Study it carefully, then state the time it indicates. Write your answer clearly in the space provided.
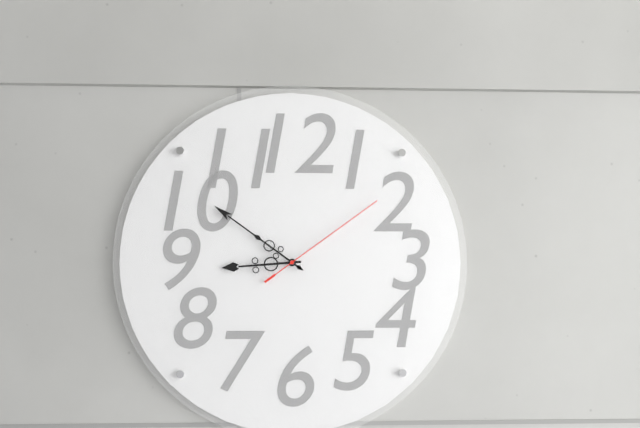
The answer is 8:51:09
